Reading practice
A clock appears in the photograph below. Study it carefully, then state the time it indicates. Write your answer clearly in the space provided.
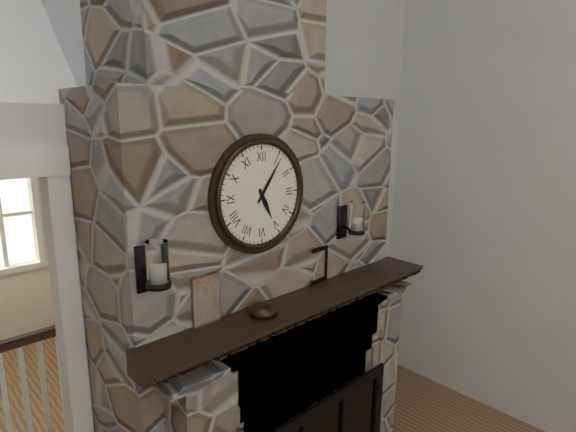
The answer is 5:06
